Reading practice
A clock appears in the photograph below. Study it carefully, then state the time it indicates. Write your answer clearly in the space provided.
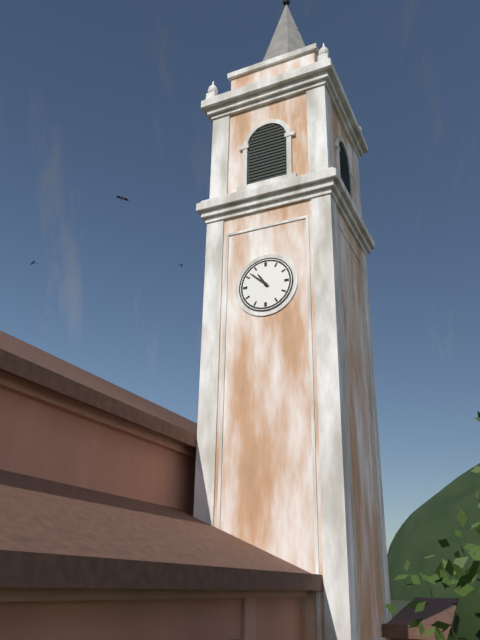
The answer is 10:52
